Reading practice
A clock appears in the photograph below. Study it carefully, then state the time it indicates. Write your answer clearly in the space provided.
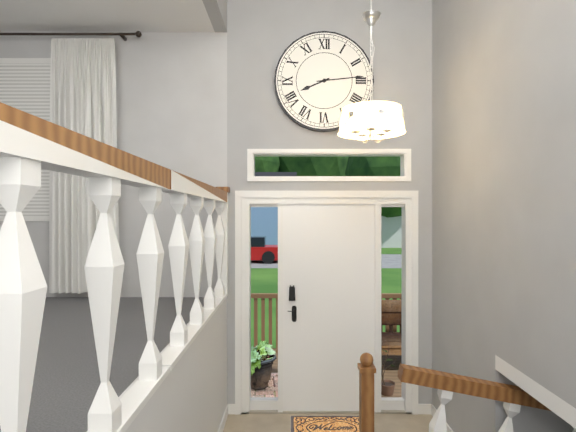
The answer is 8:14
